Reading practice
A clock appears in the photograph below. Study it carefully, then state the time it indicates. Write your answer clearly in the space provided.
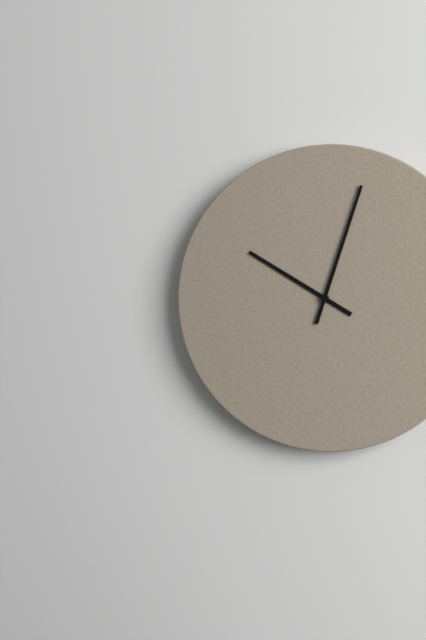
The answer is 10:03
